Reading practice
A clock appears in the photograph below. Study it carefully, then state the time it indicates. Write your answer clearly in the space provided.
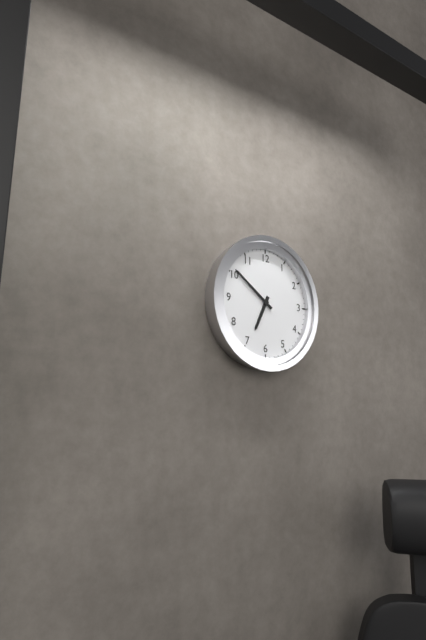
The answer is 6:51
